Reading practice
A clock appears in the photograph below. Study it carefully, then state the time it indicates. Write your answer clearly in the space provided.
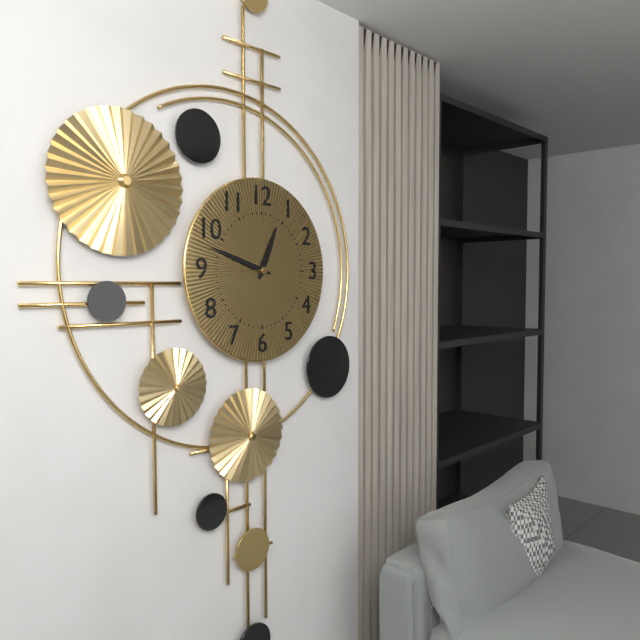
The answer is 12:48:45
